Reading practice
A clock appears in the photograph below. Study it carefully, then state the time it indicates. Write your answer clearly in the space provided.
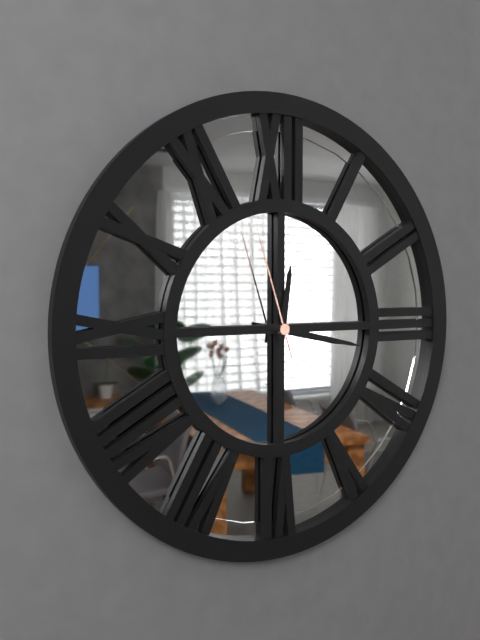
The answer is 12:17:57
